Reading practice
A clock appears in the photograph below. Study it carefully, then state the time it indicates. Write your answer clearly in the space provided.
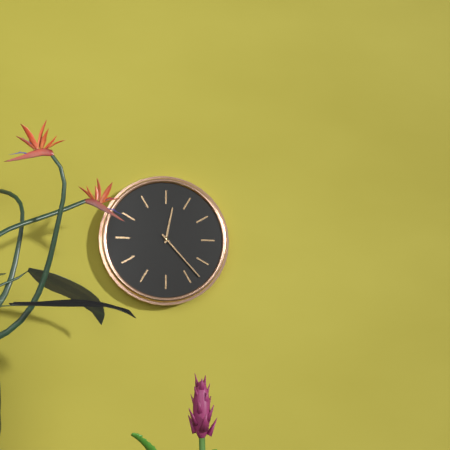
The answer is 12:23
